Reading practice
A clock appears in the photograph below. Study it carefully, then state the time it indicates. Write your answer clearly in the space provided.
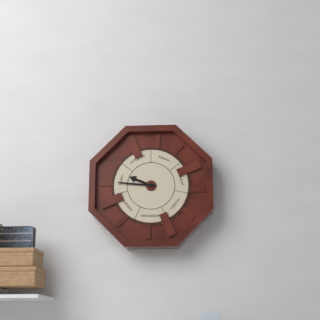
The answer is 9:46
